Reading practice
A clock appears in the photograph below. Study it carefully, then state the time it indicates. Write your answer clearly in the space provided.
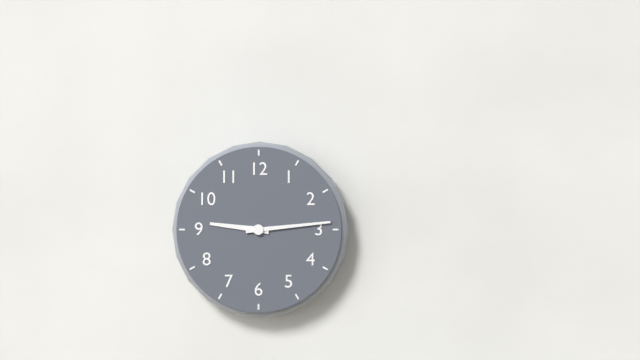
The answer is 9:14
